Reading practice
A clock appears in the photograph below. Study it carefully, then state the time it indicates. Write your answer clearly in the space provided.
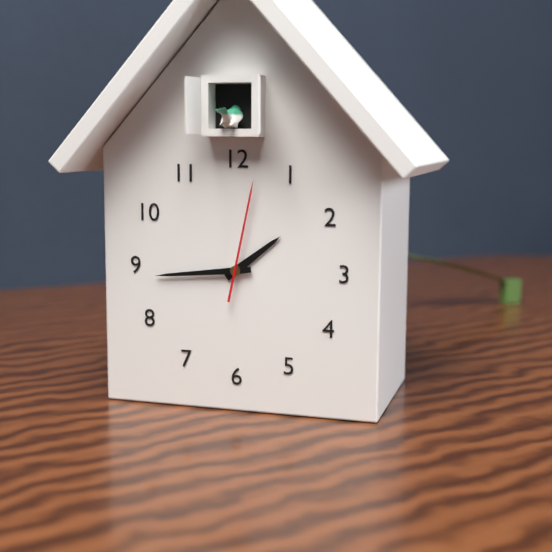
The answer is 1:44:02
